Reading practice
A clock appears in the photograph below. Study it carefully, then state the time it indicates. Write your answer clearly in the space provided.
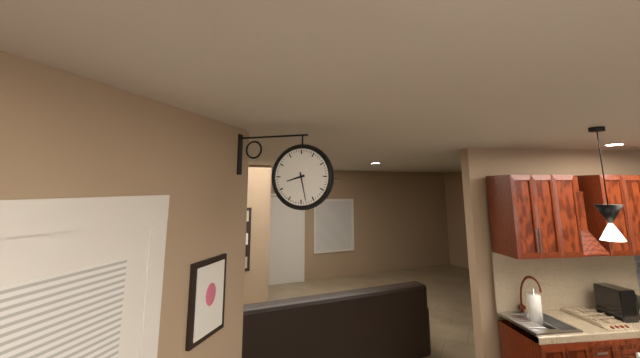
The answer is 8:28
